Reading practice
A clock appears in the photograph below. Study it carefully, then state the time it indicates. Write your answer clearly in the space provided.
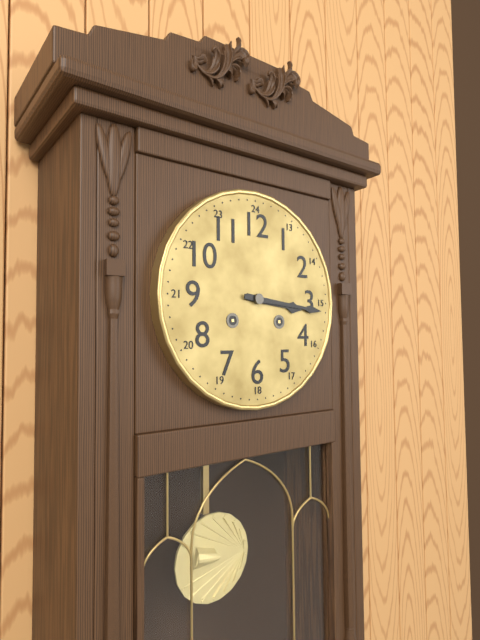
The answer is 3:16
